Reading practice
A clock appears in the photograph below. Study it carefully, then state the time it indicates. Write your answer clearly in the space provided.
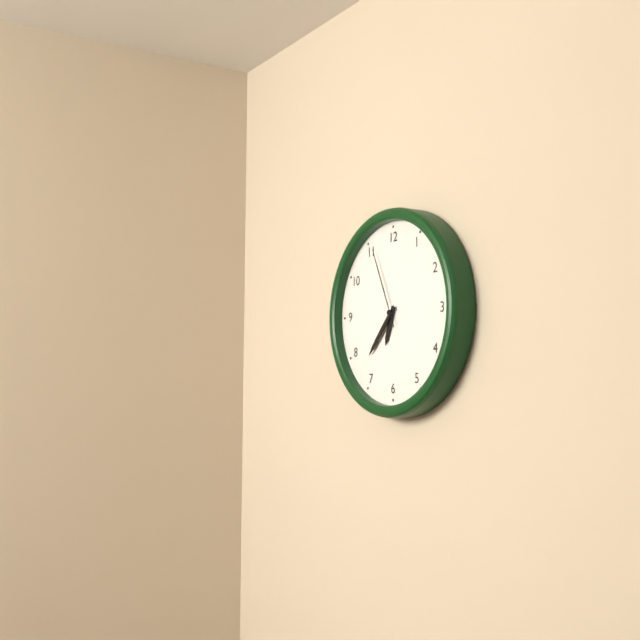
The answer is 6:37:56
